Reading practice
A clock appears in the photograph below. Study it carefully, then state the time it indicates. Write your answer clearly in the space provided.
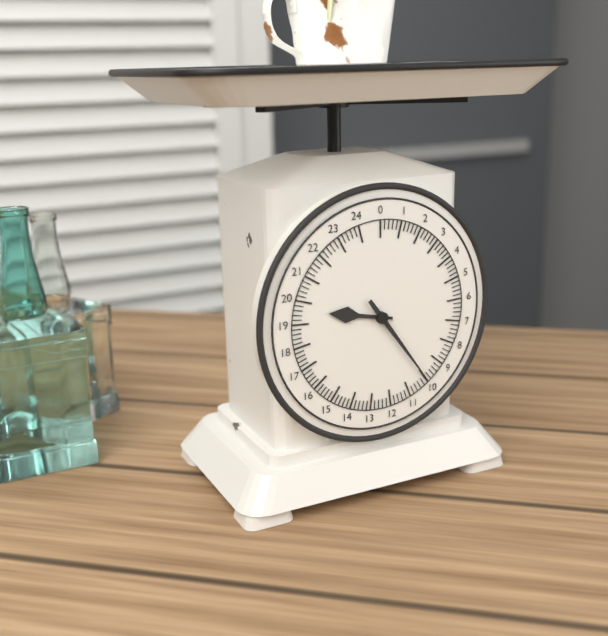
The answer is 9:24
